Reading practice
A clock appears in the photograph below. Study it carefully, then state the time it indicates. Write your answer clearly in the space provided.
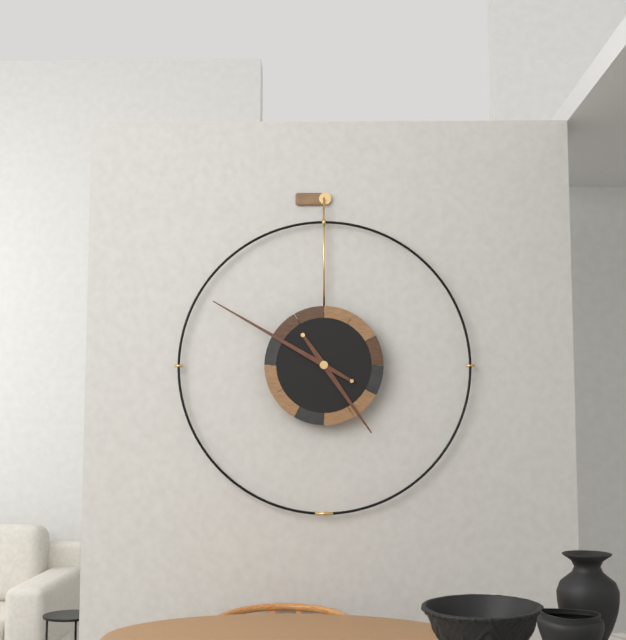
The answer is 4:50
